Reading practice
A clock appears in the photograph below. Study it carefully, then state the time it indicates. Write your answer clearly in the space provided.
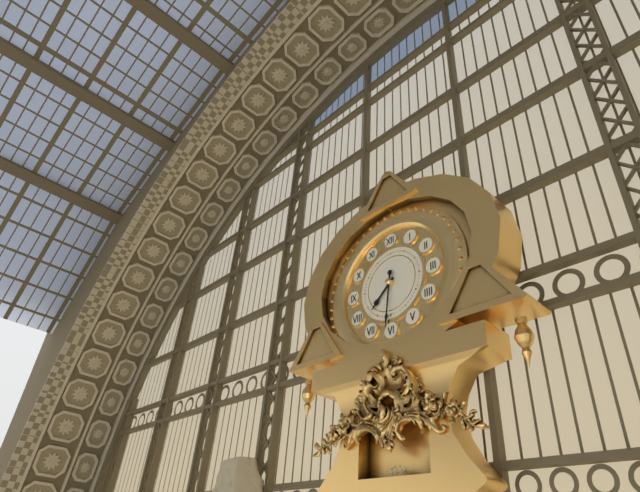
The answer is 7:31
